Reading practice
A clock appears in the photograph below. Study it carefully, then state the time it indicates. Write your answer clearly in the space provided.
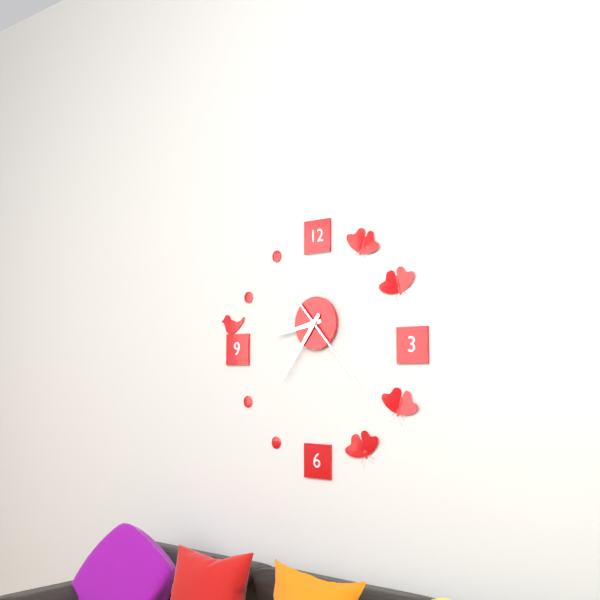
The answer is 8:36:23
